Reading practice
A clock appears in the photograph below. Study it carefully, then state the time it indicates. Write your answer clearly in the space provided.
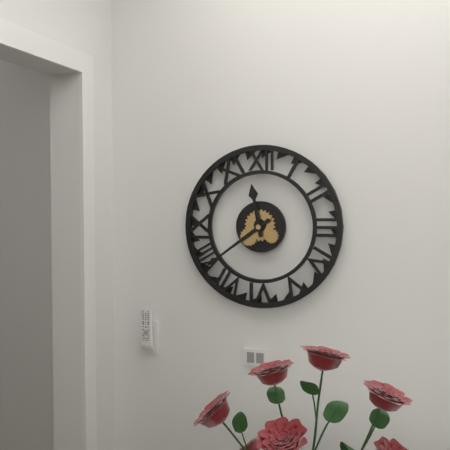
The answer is 11:39
